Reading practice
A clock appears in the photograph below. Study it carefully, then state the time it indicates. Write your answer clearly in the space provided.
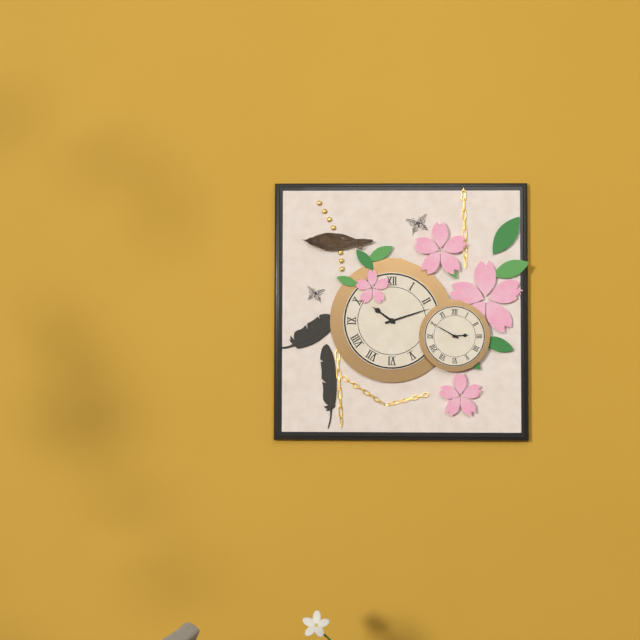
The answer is 10:12
